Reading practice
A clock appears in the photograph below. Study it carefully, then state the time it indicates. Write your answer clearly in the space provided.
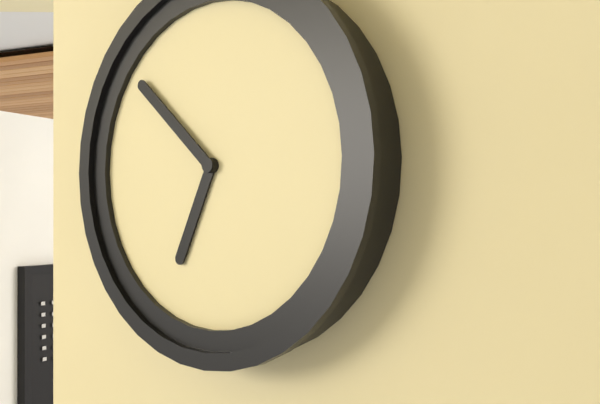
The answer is 6:52
